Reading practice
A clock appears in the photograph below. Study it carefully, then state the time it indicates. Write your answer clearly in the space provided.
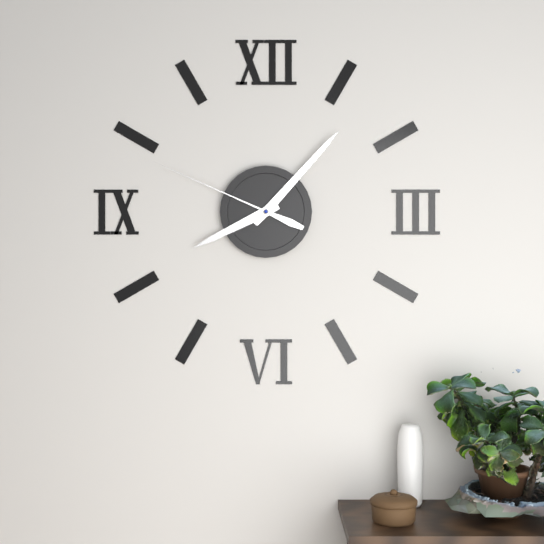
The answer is 8:07:49
